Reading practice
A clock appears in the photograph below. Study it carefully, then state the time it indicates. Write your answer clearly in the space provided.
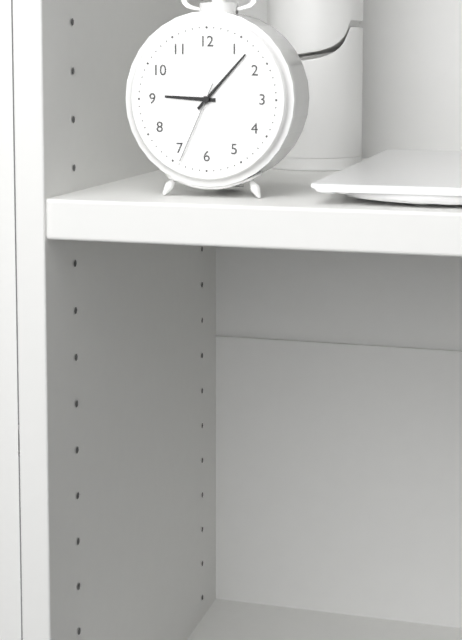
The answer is 9:07:34
